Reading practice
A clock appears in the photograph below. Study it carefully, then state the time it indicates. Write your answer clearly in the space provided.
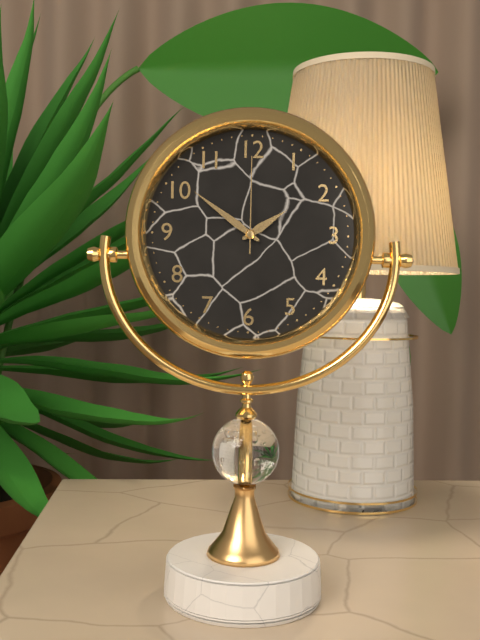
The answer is 1:51:00
